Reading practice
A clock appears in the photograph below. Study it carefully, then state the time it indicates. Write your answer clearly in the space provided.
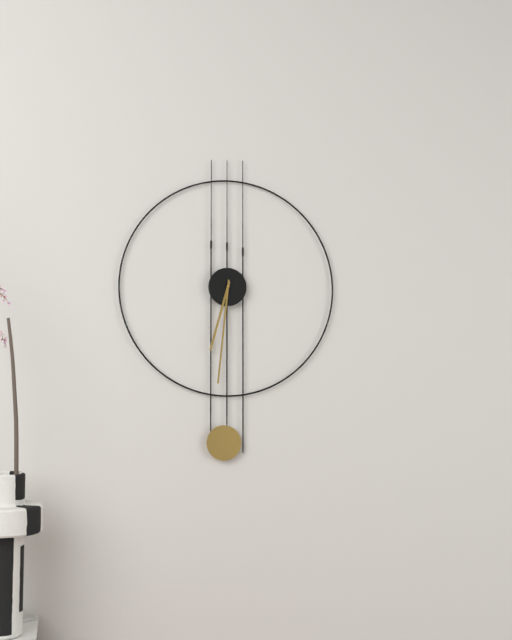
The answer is 6:31
